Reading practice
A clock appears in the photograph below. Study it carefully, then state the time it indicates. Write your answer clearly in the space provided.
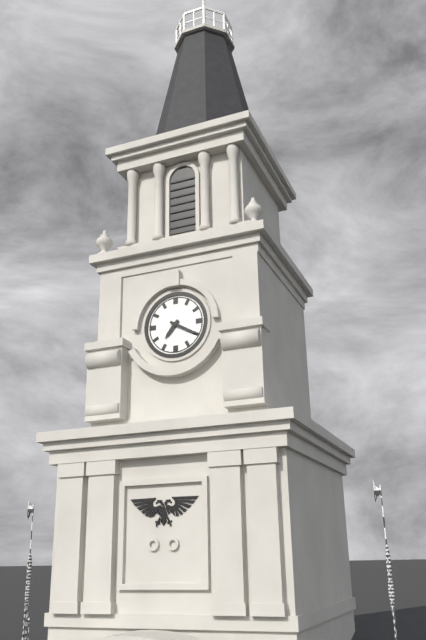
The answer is 7:20
